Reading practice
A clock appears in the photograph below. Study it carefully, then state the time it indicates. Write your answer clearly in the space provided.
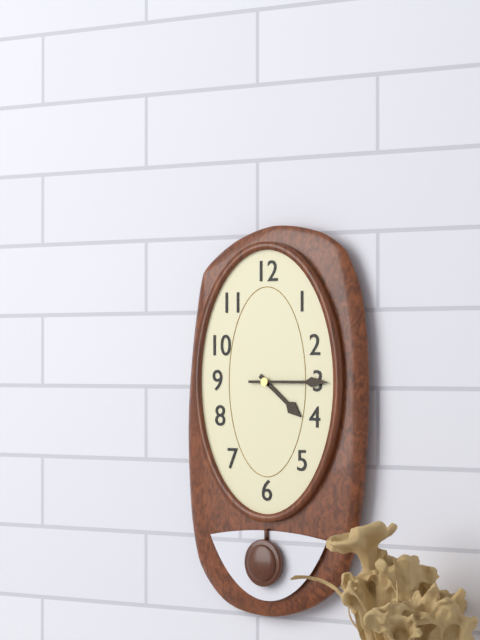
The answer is 4:15
